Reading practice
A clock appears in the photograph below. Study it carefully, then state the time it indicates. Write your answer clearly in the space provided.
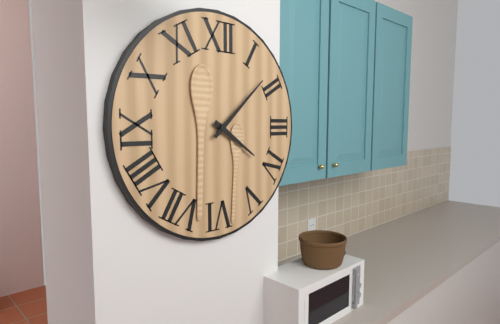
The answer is 4:08
